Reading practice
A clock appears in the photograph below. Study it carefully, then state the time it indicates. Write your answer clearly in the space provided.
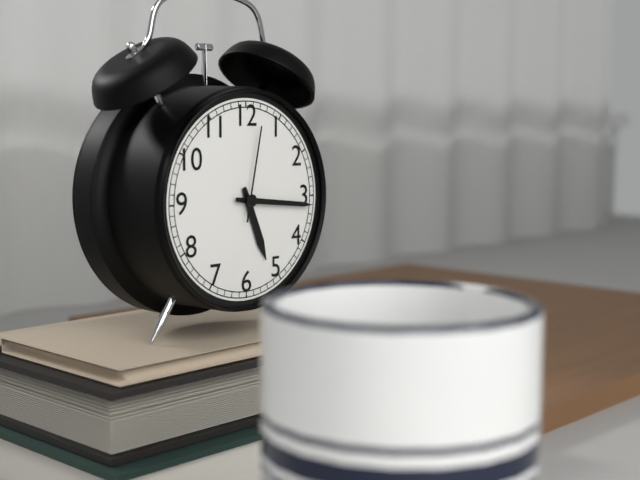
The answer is 5:16:02
